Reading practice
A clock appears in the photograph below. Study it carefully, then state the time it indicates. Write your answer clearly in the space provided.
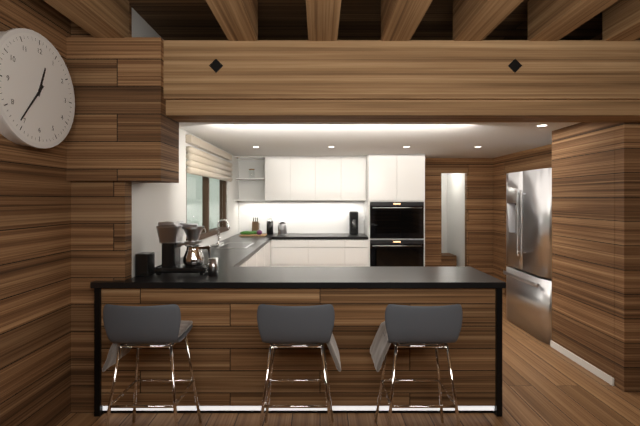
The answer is 12:36
